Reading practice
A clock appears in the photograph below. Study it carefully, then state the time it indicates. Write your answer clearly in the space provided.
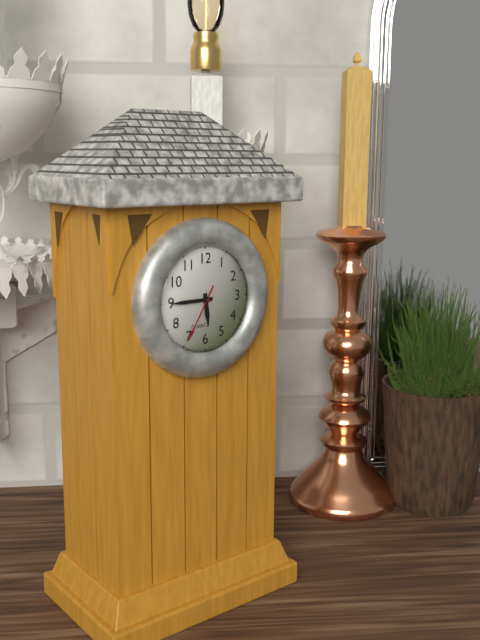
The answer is 5:45:35
